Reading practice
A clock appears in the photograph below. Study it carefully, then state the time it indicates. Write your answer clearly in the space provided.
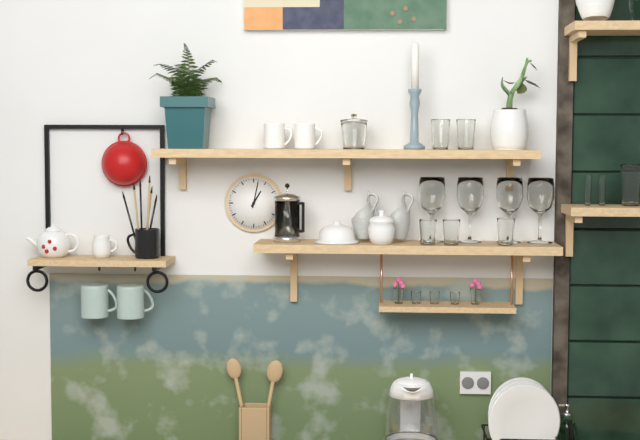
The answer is 1:02
